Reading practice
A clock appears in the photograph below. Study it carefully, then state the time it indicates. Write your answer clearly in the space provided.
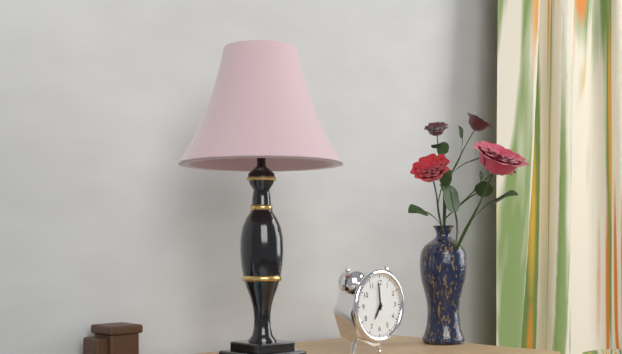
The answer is 6:59
